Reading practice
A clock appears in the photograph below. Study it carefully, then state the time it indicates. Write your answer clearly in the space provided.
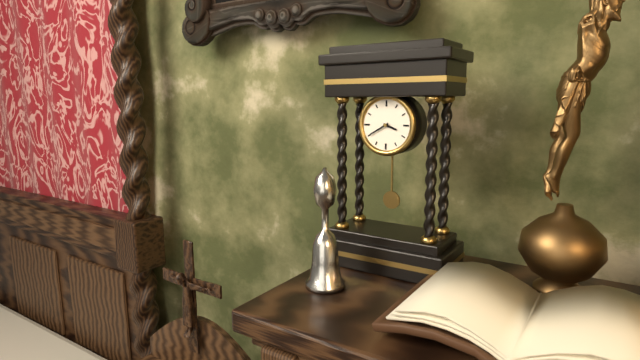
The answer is 3:40
